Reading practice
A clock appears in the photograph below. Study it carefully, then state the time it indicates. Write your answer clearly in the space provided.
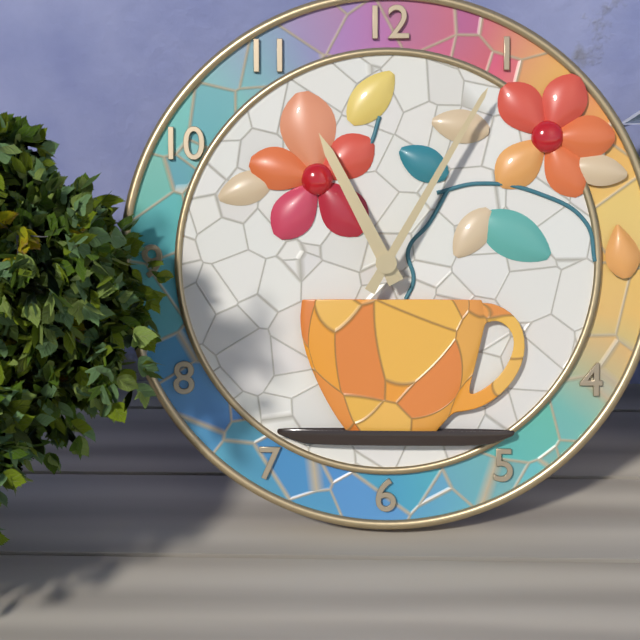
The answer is 11:05
